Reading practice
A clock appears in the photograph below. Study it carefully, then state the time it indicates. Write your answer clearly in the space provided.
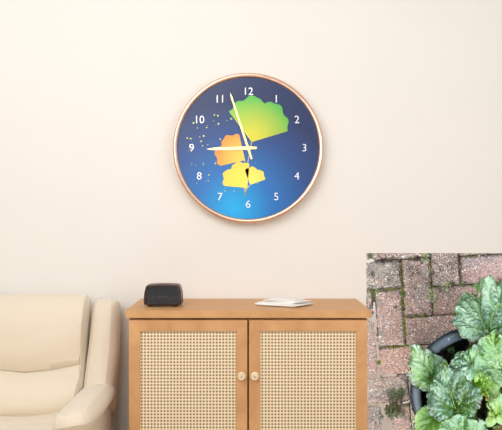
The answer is 8:57
